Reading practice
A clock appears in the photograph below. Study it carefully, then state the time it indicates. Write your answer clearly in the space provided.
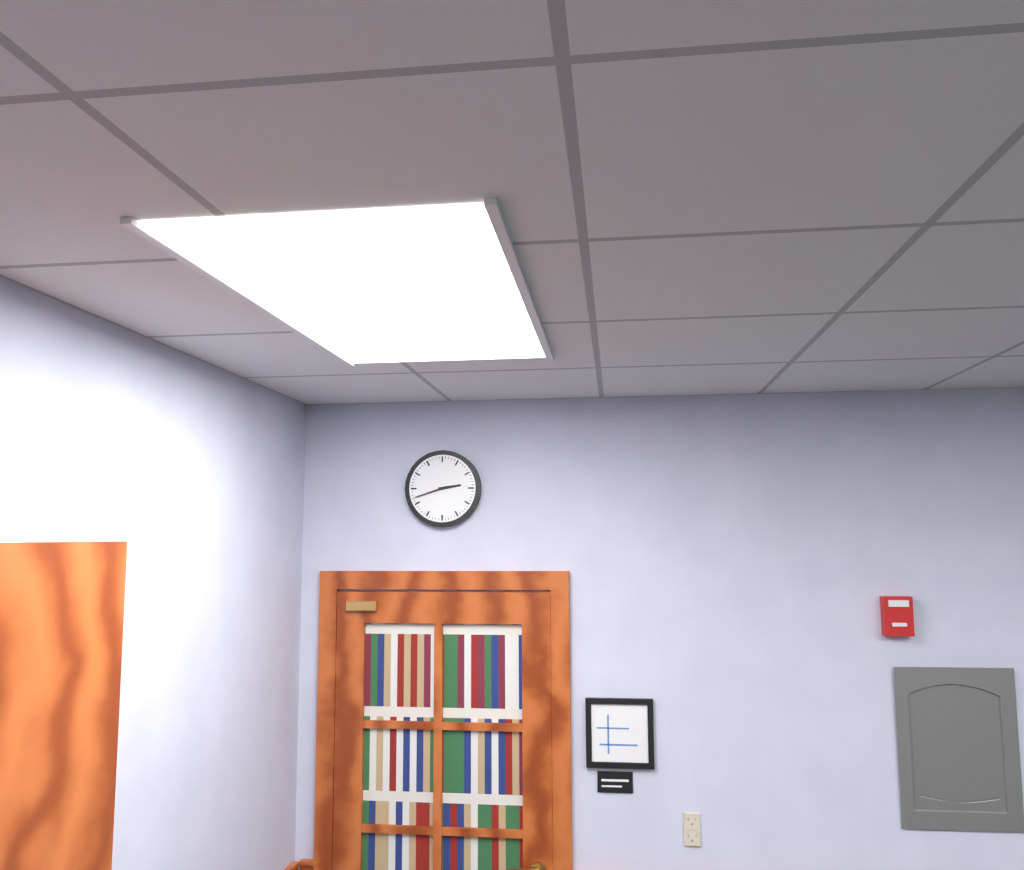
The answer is 2:42
